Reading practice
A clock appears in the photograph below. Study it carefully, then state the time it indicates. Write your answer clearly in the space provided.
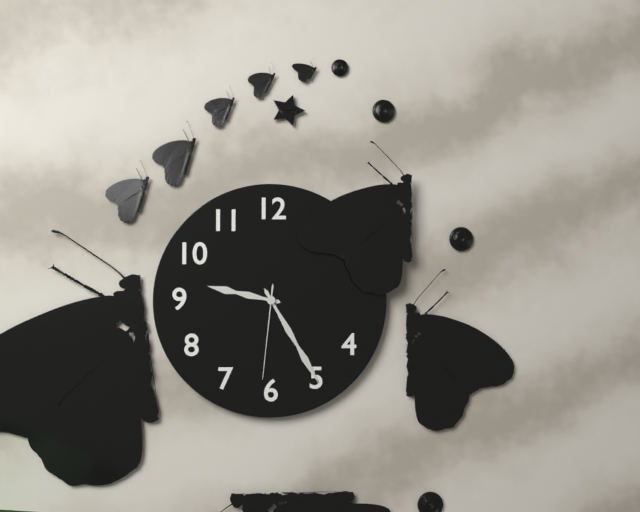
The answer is 9:25:31
